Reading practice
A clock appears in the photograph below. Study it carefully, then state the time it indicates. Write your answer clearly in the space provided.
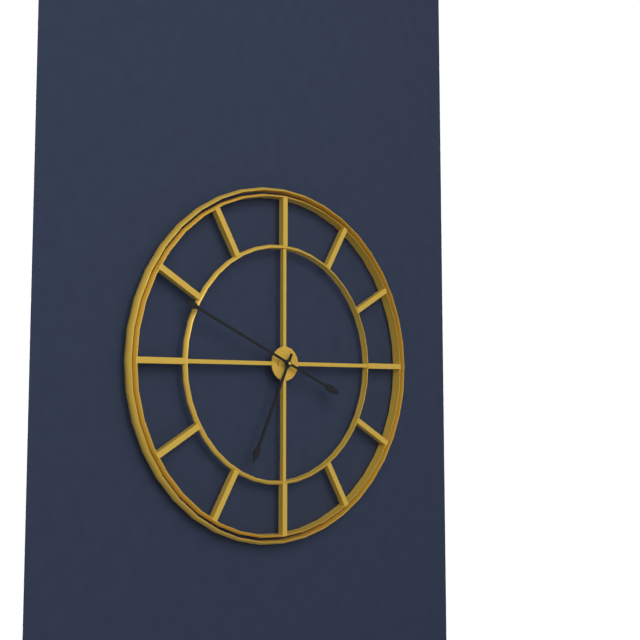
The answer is 6:49
